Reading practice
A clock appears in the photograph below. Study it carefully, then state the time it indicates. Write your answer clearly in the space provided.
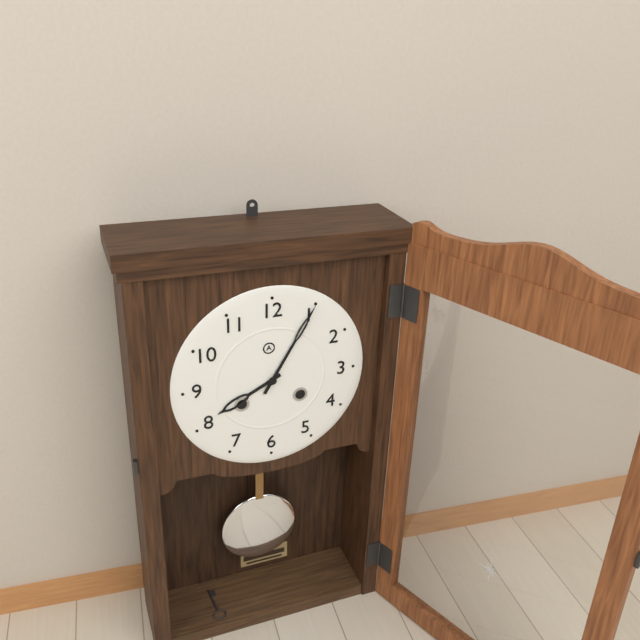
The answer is 8:05
